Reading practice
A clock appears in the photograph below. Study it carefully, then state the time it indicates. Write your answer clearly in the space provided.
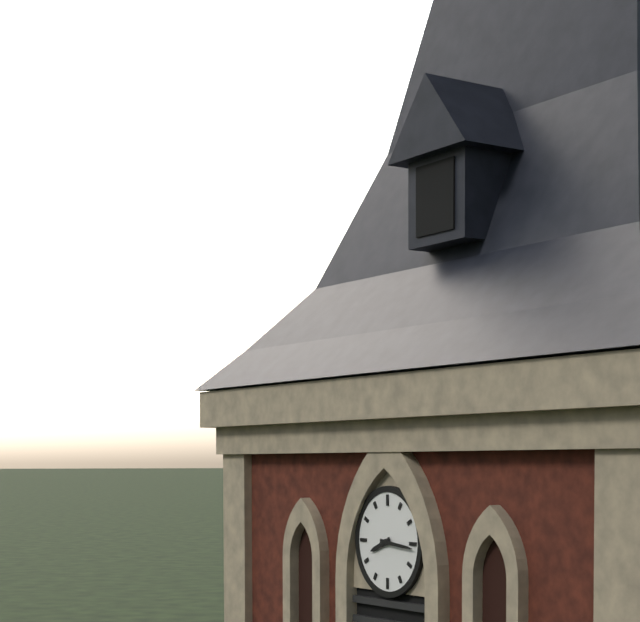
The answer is 8:16
